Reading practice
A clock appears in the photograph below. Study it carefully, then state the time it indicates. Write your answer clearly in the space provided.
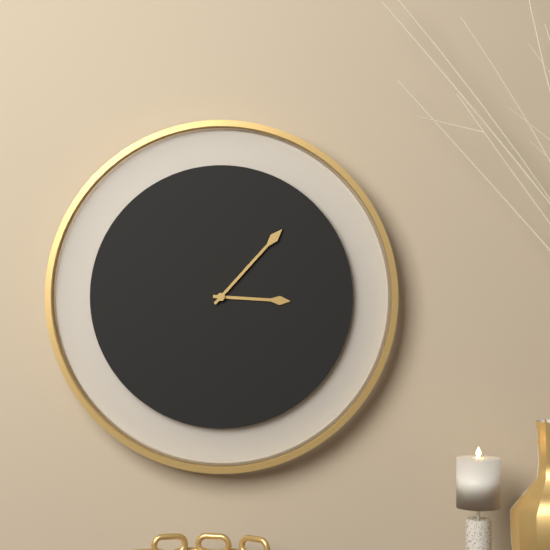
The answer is 3:07
